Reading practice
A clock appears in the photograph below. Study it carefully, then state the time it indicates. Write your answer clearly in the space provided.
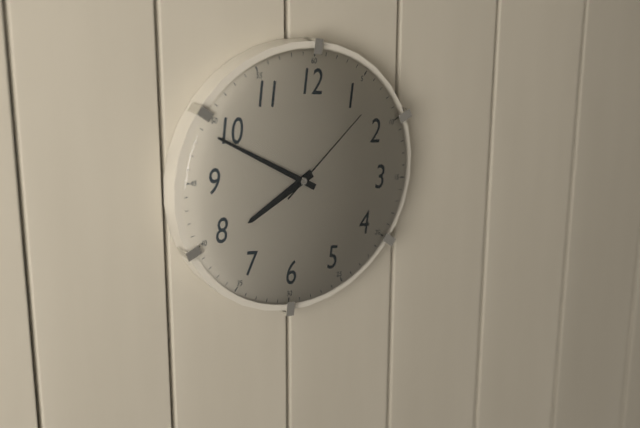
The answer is 7:49:07
